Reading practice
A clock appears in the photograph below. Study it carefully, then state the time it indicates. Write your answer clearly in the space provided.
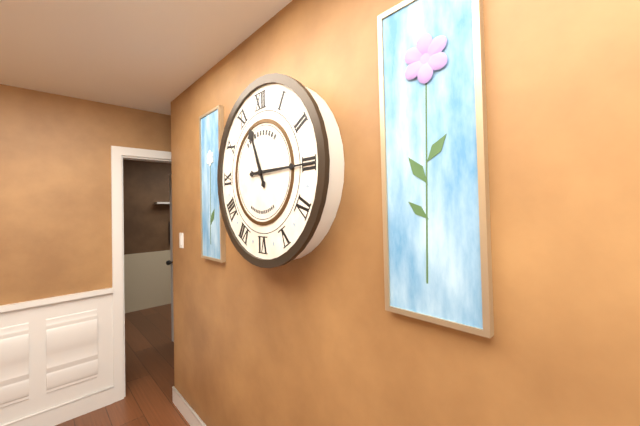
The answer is 11:15
